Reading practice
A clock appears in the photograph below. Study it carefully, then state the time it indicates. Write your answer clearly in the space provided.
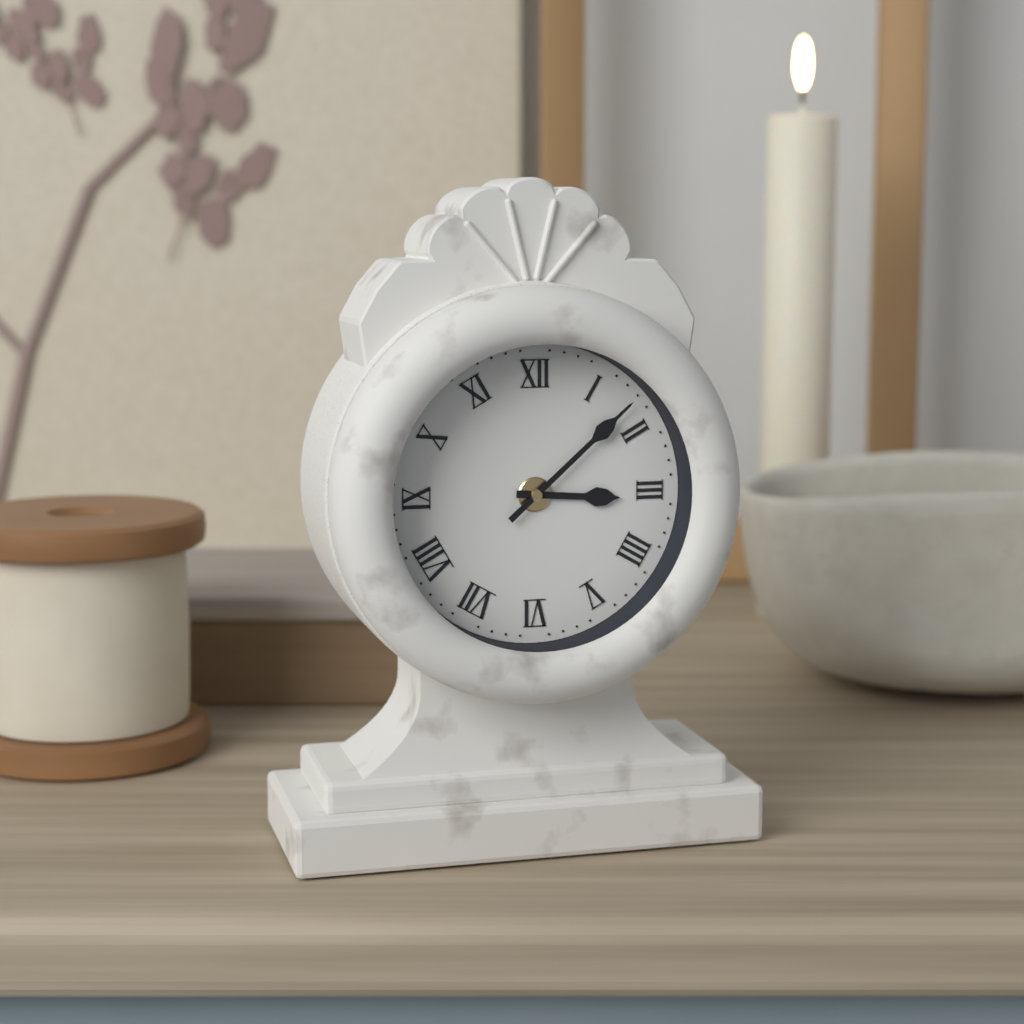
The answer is 3:08
